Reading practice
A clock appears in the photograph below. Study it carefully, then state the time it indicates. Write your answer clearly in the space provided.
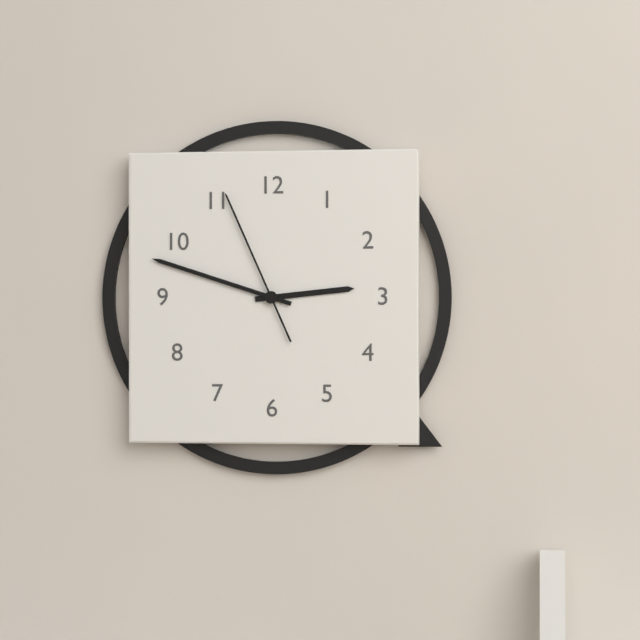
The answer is 2:48:56
